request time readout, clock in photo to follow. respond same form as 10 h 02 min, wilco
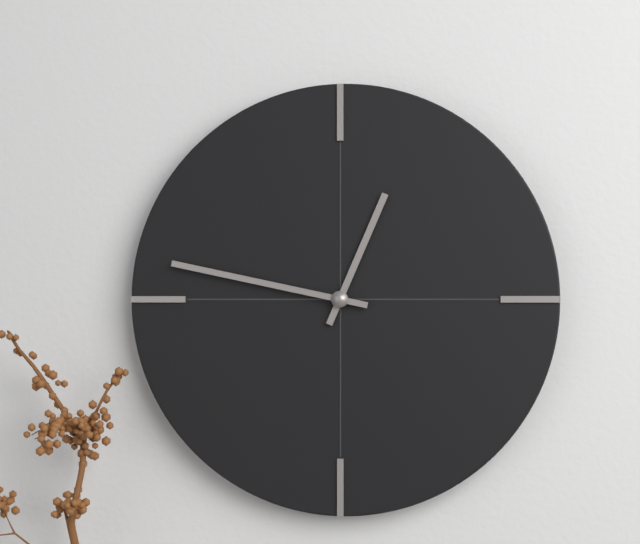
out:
12 h 47 min
